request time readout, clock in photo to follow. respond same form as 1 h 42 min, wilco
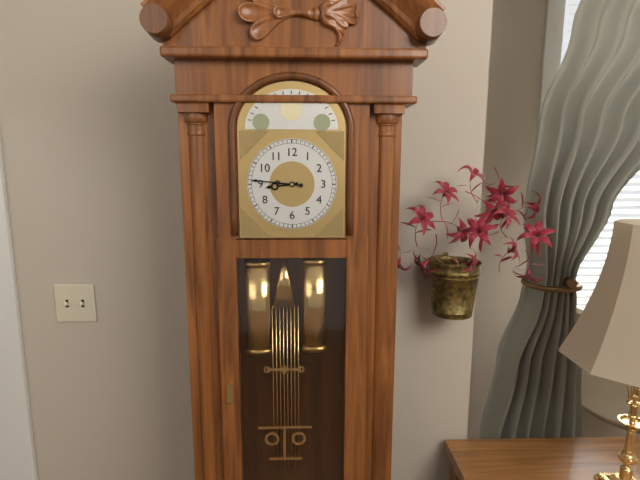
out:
8 h 46 min
